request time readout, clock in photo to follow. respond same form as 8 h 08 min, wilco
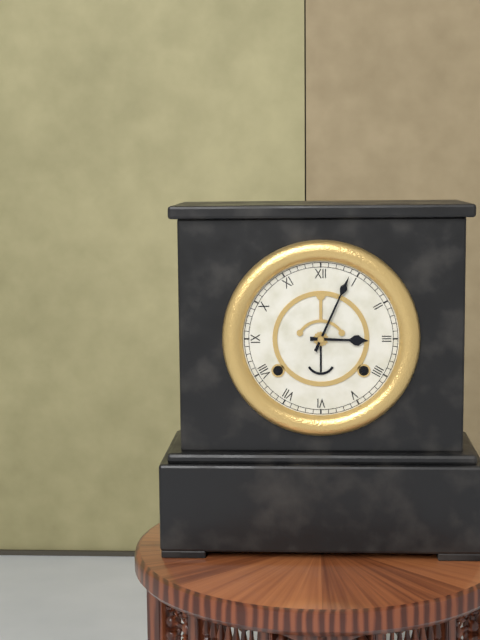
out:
3 h 04 min
